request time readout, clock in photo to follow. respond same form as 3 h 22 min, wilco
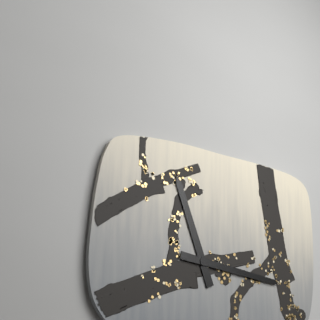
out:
11 h 16 min
